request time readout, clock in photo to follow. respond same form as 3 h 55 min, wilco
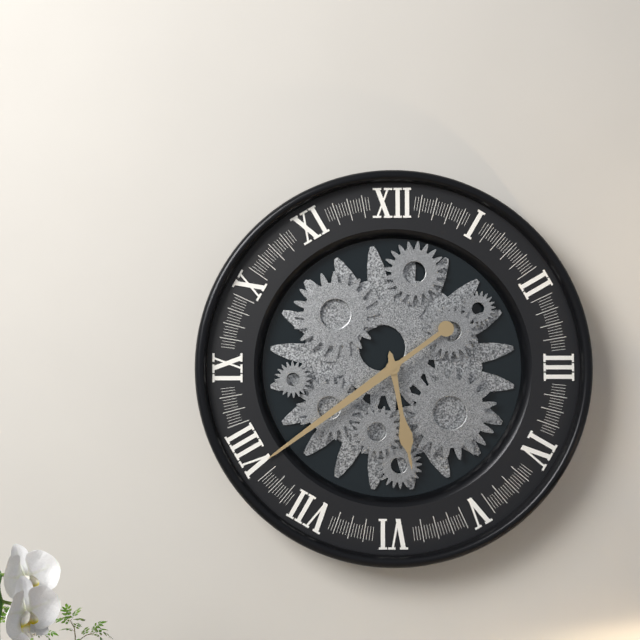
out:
5 h 39 min
